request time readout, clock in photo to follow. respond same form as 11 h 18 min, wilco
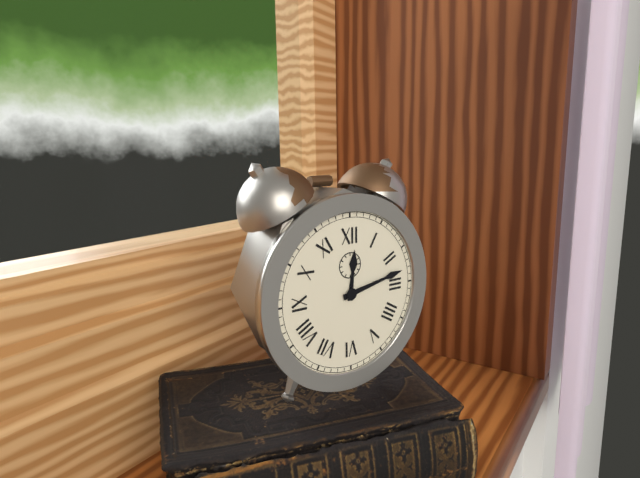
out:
12 h 13 min
